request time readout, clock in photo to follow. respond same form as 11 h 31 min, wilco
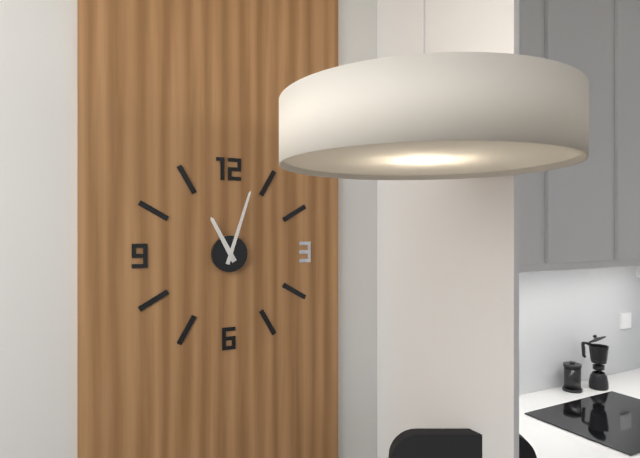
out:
11 h 03 min
